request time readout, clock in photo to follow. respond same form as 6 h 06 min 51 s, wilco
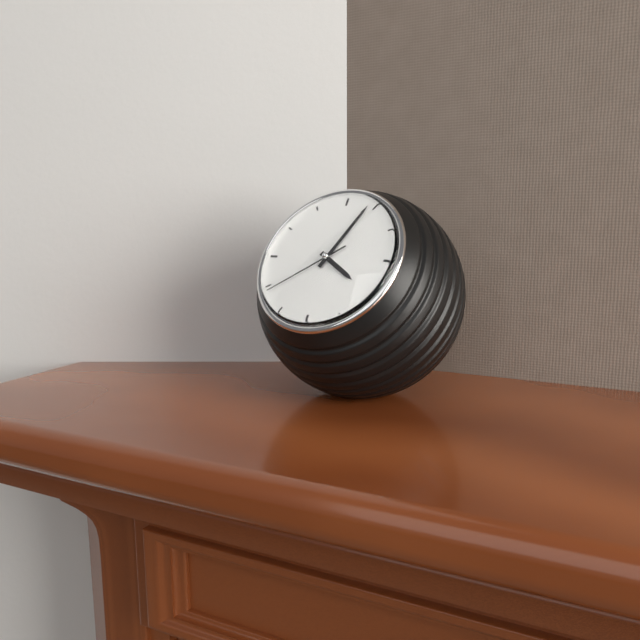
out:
4 h 04 min 39 s
